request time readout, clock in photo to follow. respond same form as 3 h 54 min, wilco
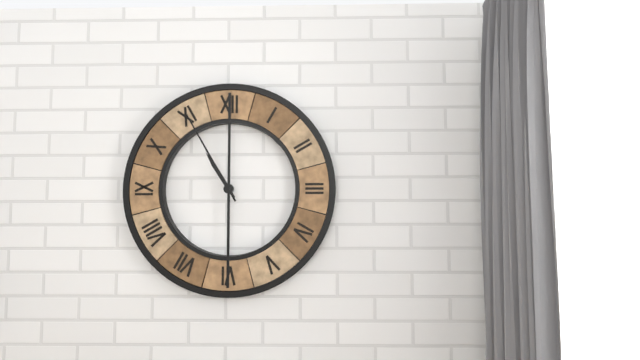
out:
10 h 55 min
